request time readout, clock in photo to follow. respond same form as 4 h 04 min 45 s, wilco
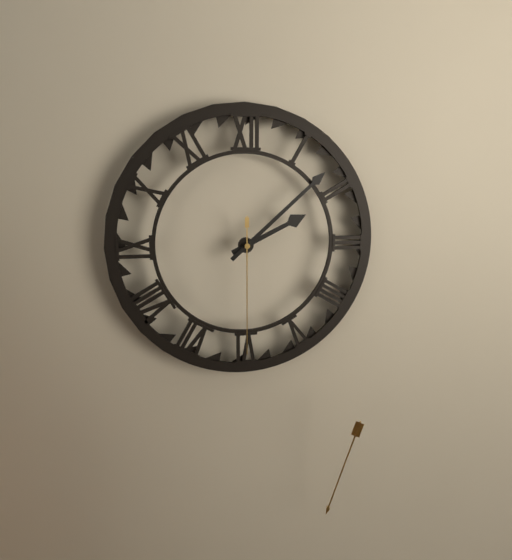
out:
2 h 08 min 30 s
